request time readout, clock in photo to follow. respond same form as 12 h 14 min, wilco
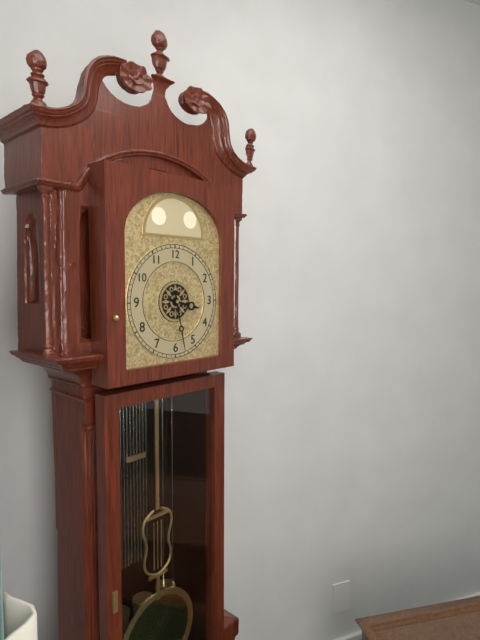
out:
3 h 28 min
